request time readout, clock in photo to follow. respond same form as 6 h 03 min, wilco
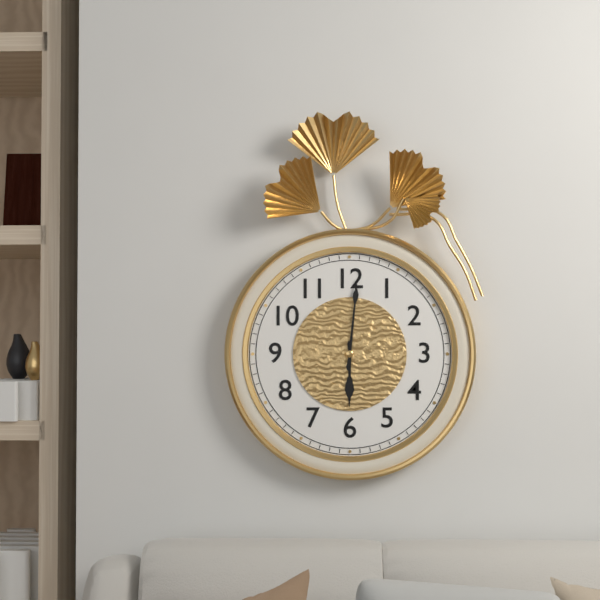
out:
6 h 01 min
